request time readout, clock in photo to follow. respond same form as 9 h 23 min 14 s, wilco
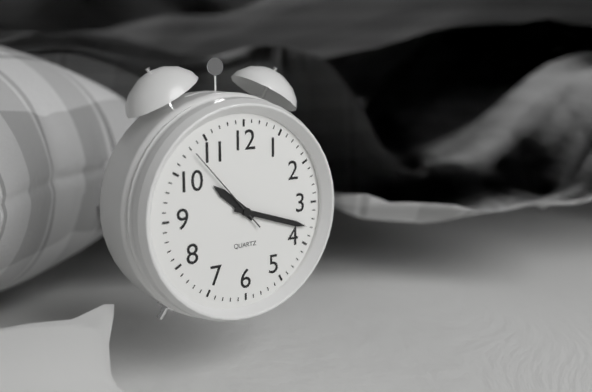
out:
10 h 18 min 53 s
